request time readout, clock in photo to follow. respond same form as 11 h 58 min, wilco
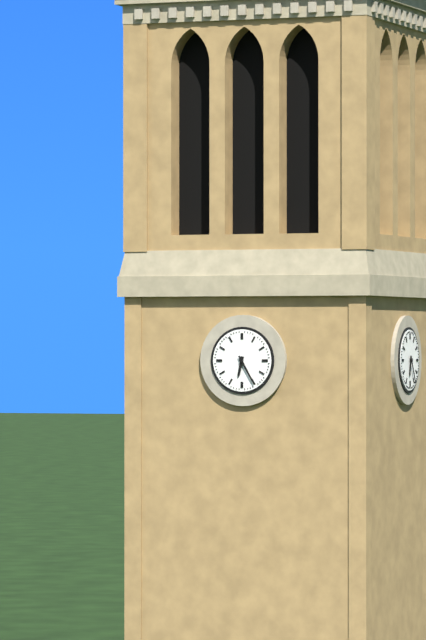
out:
6 h 25 min
